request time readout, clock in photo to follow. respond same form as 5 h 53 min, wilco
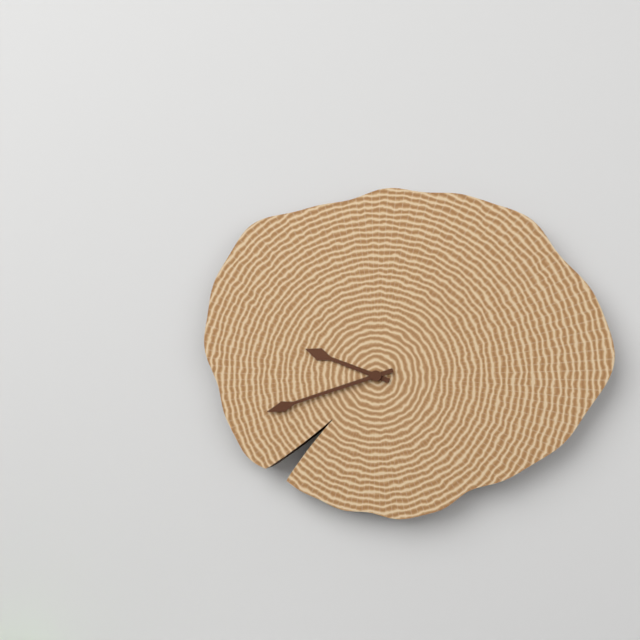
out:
9 h 42 min
